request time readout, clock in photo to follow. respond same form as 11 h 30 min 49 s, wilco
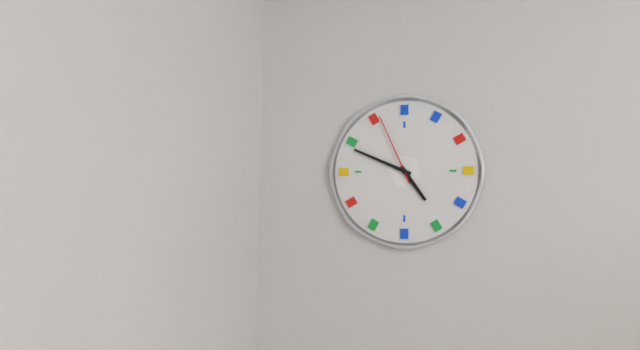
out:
4 h 49 min 56 s
